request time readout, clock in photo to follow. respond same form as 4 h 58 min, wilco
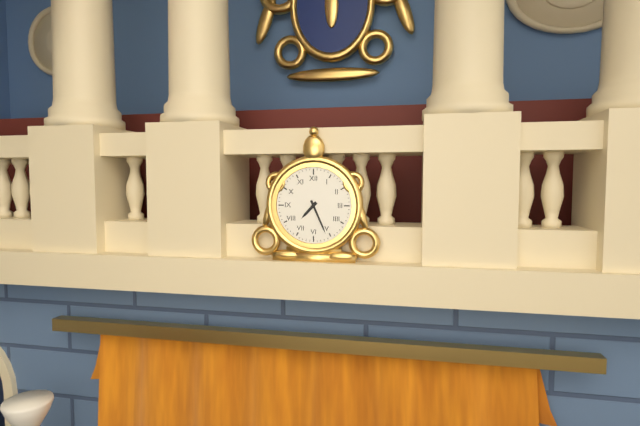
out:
7 h 26 min
